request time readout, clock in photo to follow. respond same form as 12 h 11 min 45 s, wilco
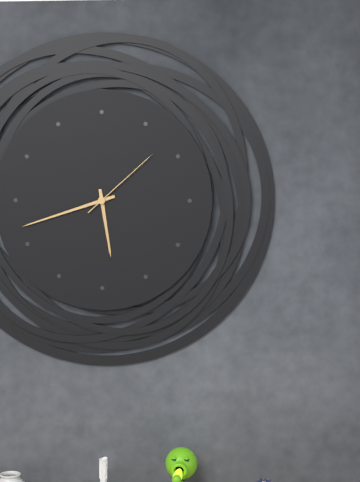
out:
5 h 42 min 08 s
